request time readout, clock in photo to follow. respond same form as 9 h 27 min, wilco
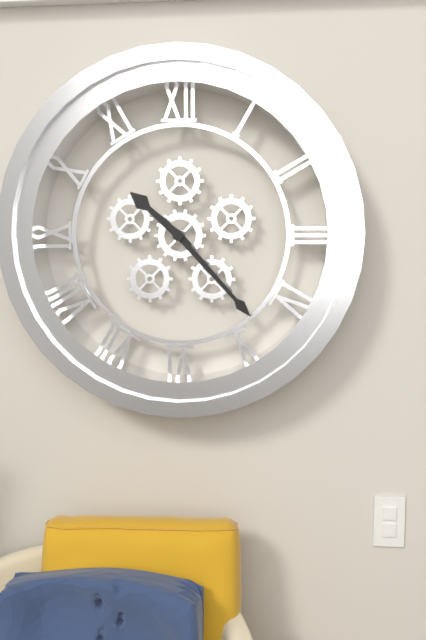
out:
10 h 23 min
